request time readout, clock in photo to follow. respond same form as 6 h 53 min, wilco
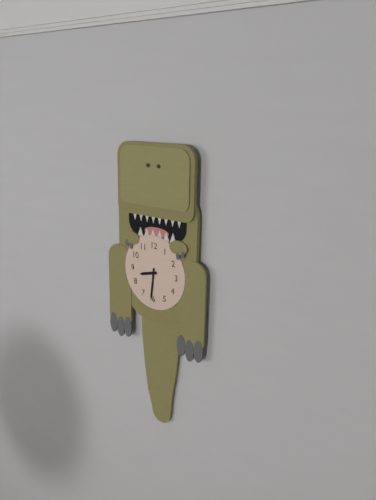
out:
8 h 31 min
